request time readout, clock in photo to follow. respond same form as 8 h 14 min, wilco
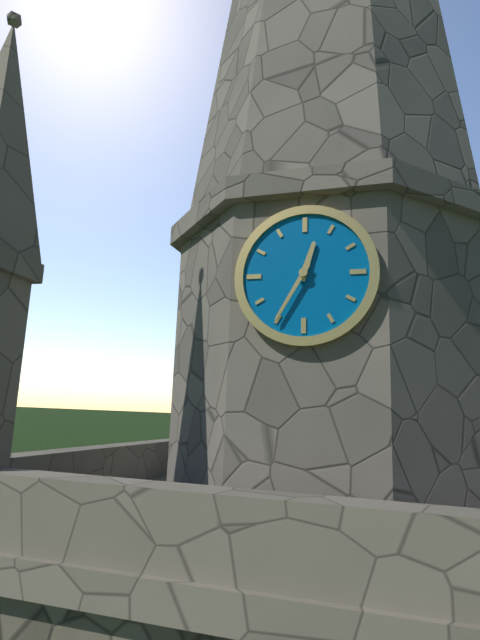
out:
12 h 35 min
